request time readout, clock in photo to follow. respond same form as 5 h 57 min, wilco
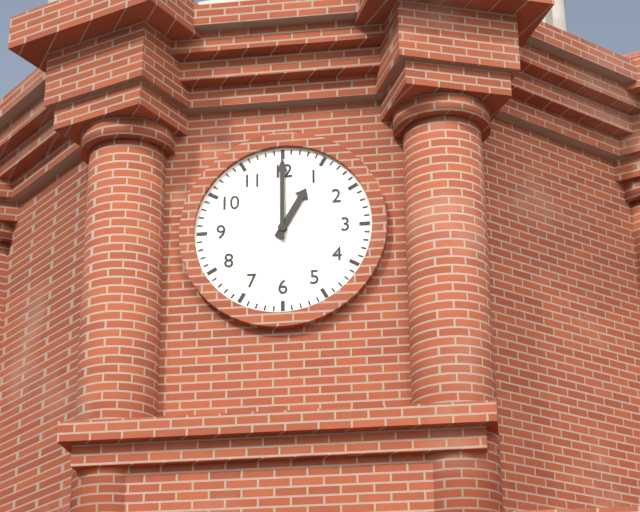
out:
1 h 00 min
